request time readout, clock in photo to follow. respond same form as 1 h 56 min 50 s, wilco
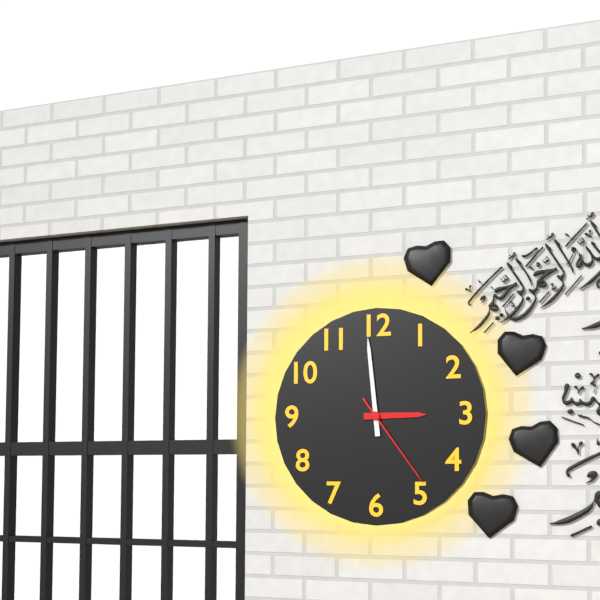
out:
2 h 59 min 24 s
